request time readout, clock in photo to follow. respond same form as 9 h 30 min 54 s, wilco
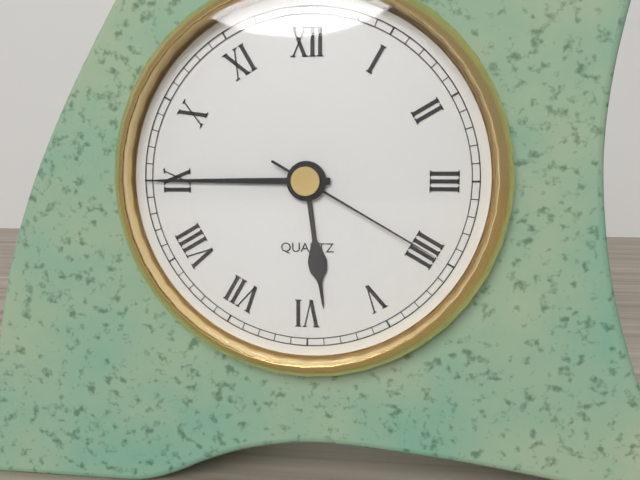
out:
5 h 45 min 20 s
